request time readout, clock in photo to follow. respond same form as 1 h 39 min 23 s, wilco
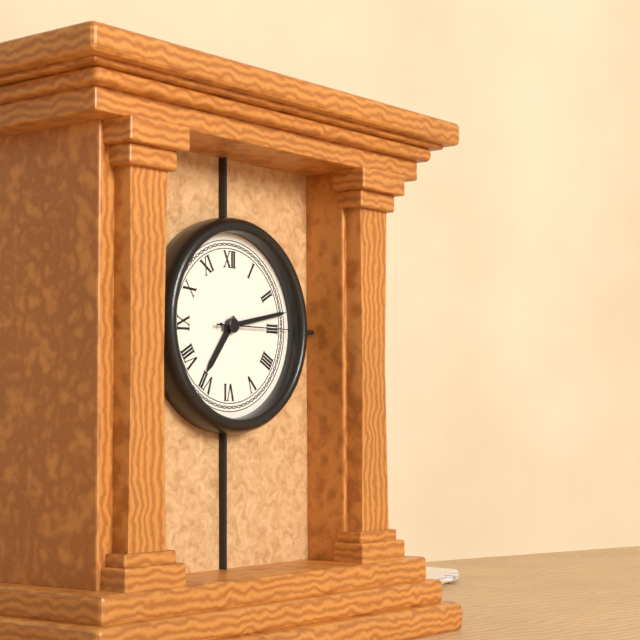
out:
7 h 13 min 15 s
